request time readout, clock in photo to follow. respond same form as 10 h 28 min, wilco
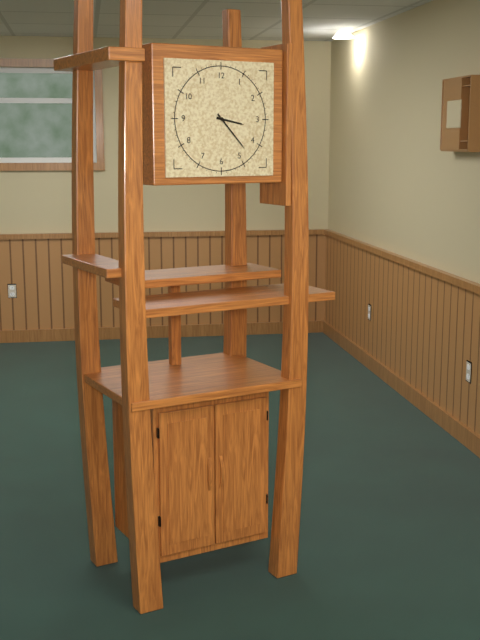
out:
3 h 23 min
